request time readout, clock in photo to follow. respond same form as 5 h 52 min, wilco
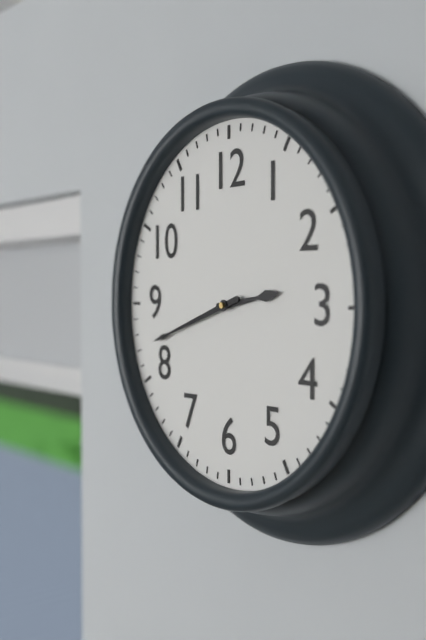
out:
2 h 42 min
